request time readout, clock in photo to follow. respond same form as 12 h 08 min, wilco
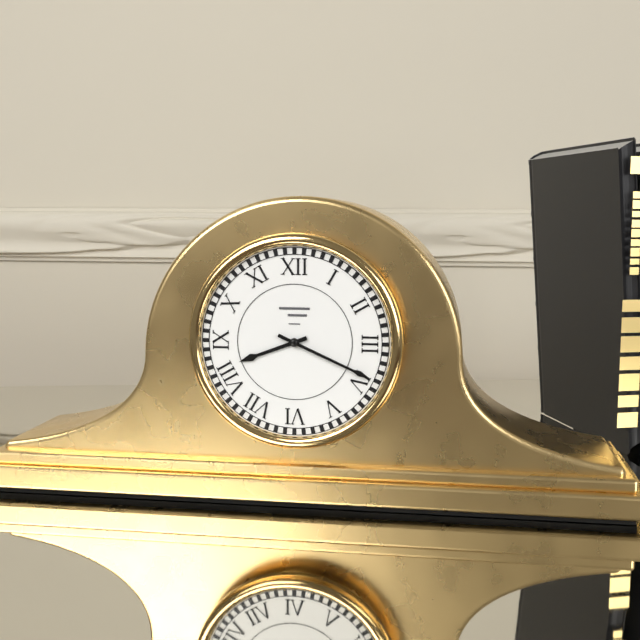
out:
8 h 19 min
